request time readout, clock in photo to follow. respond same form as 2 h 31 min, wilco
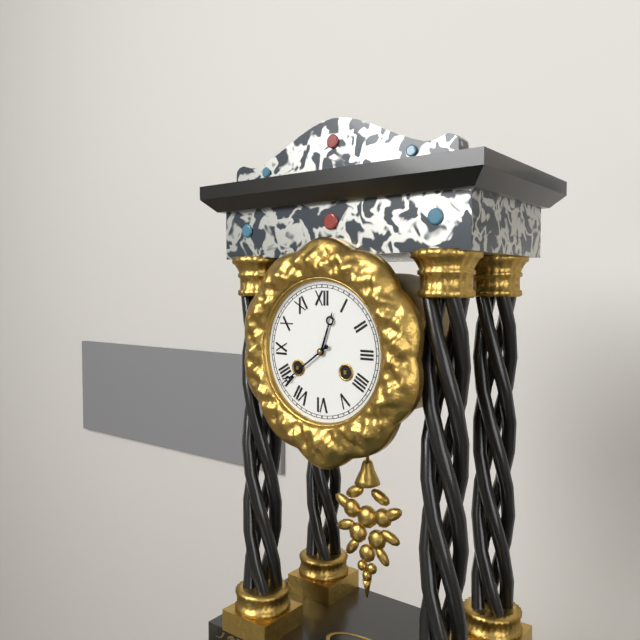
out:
12 h 39 min
